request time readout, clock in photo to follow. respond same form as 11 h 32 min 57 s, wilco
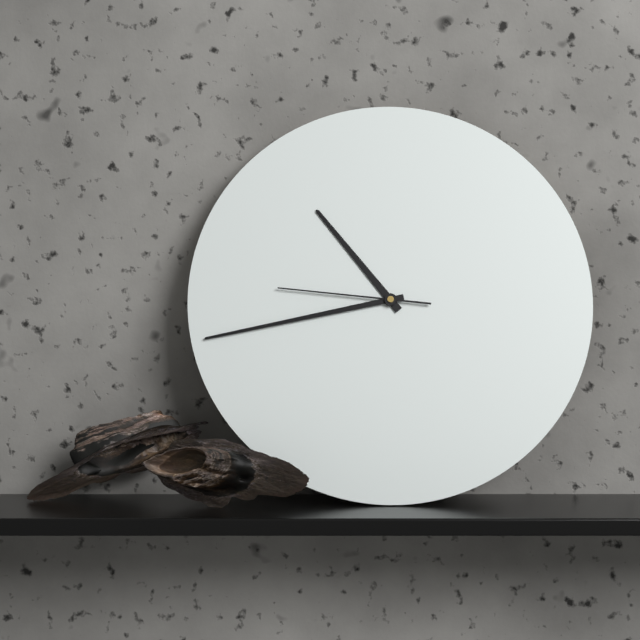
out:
10 h 43 min 46 s
